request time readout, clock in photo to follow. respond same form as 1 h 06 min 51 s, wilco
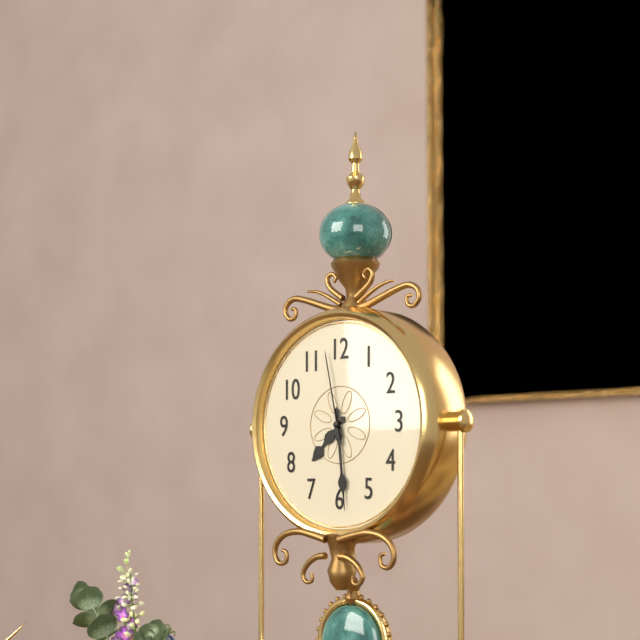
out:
7 h 29 min 58 s
